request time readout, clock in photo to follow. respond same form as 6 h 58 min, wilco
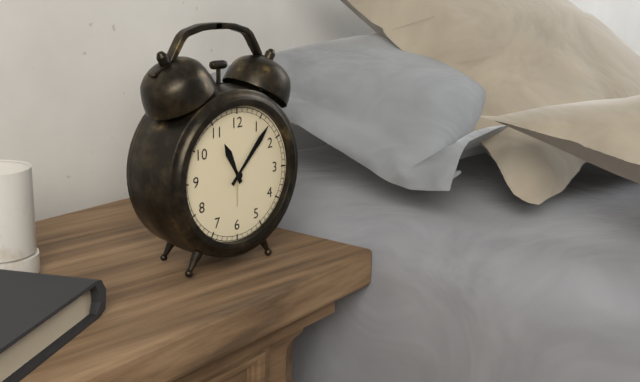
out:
11 h 07 min
